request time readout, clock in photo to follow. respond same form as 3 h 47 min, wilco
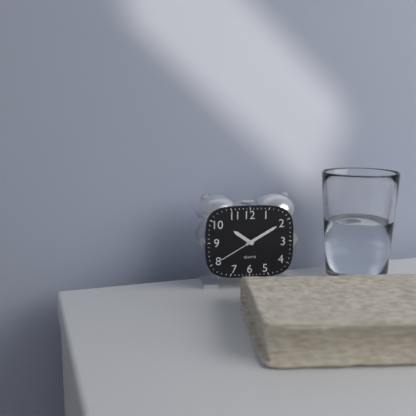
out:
10 h 10 min
